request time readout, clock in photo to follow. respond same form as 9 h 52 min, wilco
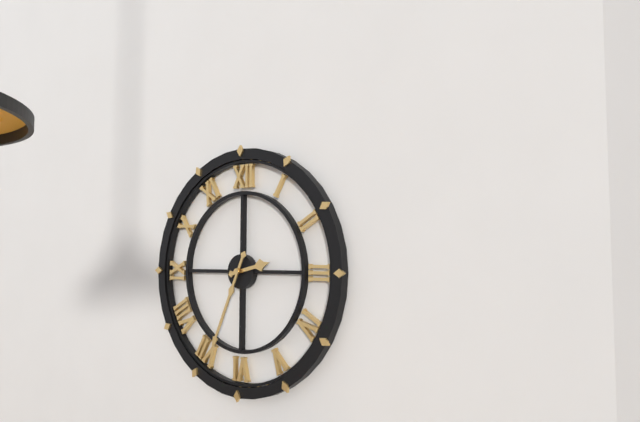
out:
2 h 34 min
